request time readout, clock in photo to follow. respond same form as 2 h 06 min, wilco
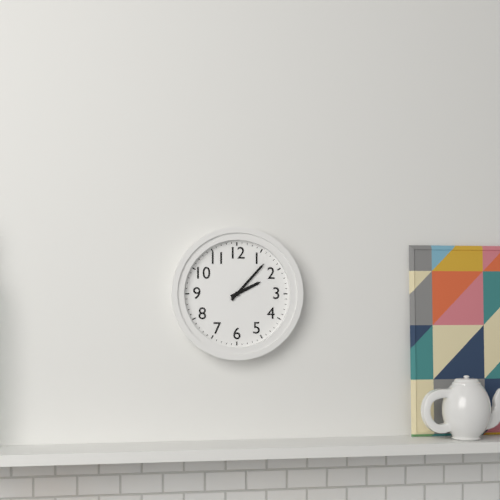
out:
2 h 07 min
